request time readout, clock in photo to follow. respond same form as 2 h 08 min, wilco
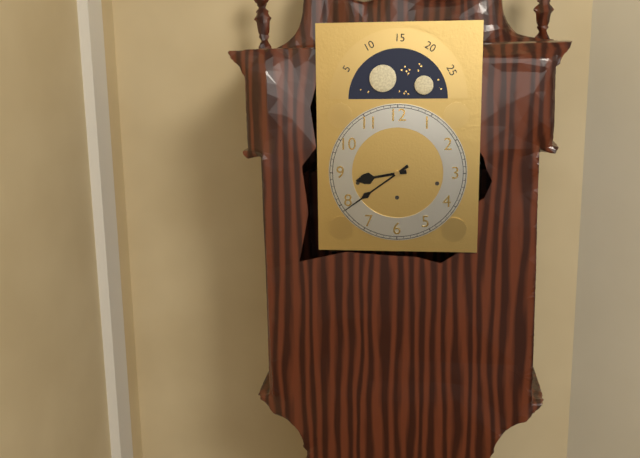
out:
8 h 39 min
